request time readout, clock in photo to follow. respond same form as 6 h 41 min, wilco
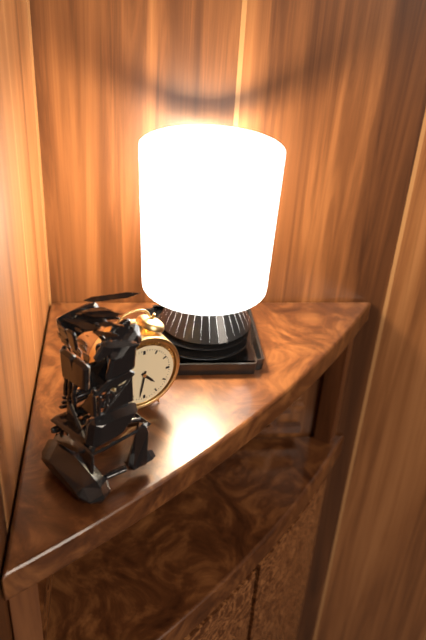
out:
4 h 32 min
